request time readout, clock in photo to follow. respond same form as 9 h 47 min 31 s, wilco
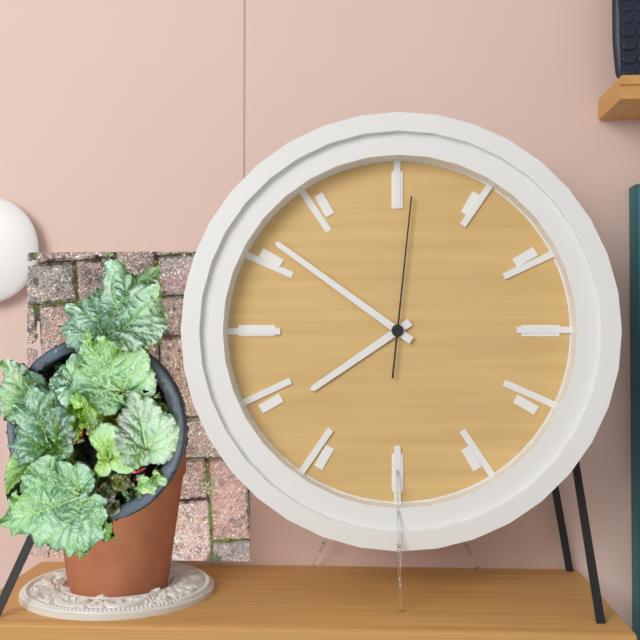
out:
7 h 51 min 01 s
